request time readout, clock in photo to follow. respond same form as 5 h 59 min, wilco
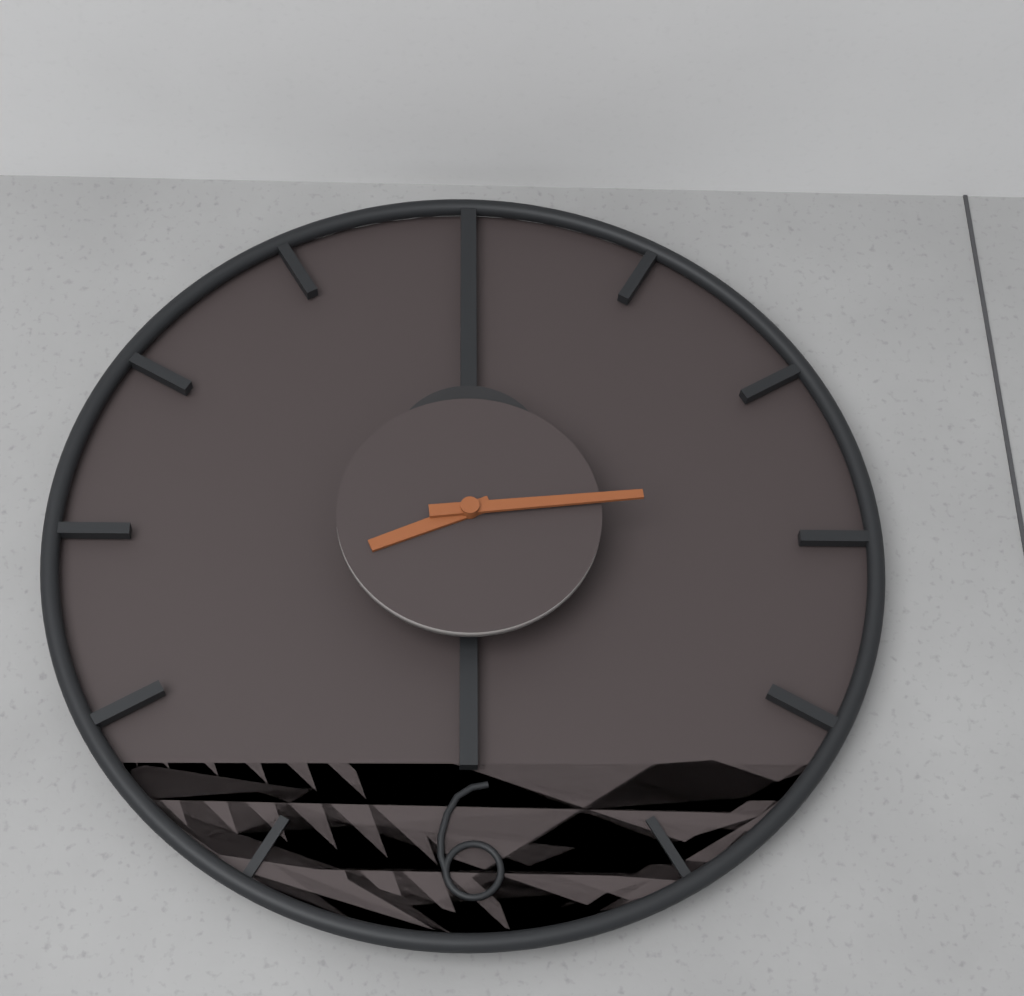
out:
8 h 14 min
